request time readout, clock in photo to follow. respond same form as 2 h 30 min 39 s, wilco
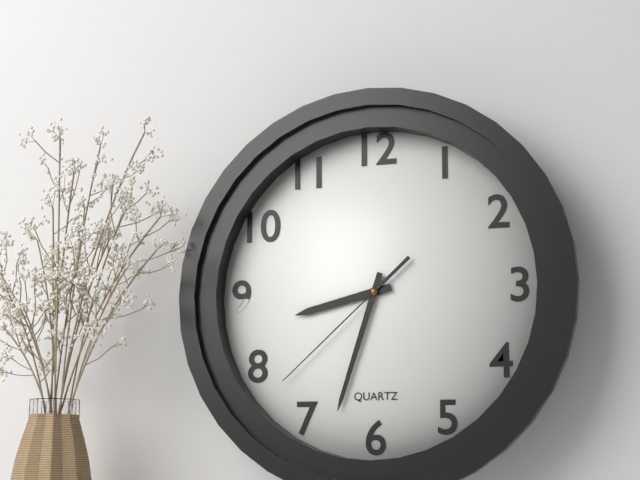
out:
8 h 33 min 38 s
